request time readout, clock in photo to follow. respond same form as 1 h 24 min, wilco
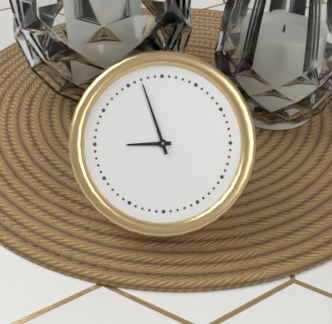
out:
8 h 57 min
